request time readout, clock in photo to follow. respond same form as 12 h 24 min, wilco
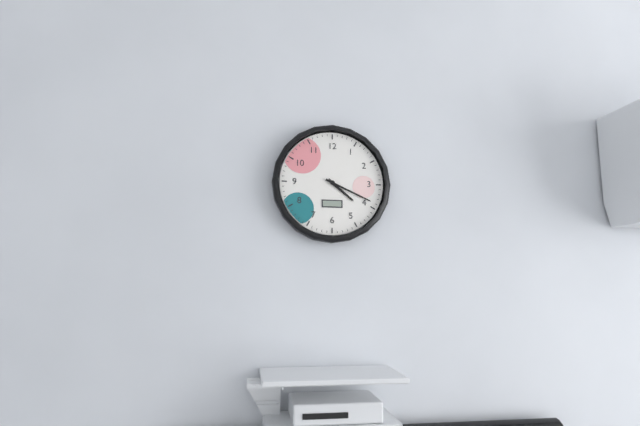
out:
4 h 19 min
